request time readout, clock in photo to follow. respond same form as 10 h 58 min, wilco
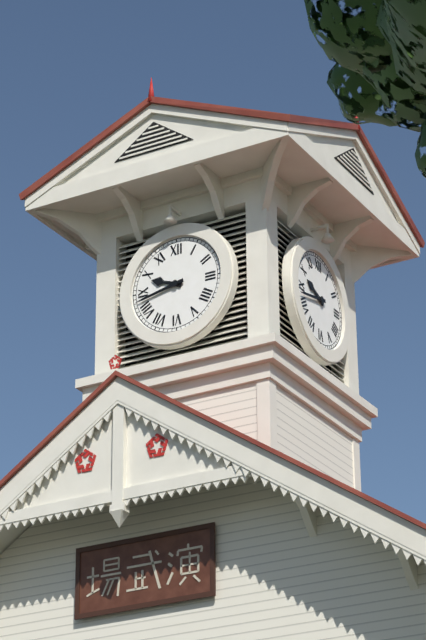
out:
9 h 43 min
